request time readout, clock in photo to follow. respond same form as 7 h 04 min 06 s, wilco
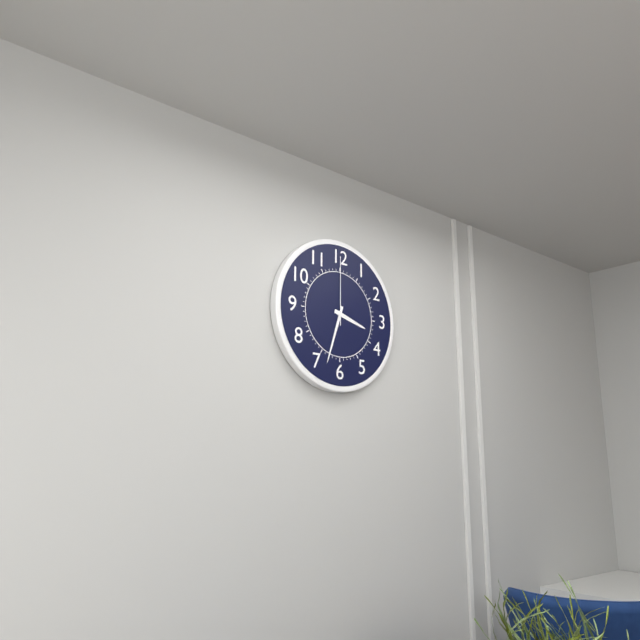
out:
3 h 33 min 00 s
